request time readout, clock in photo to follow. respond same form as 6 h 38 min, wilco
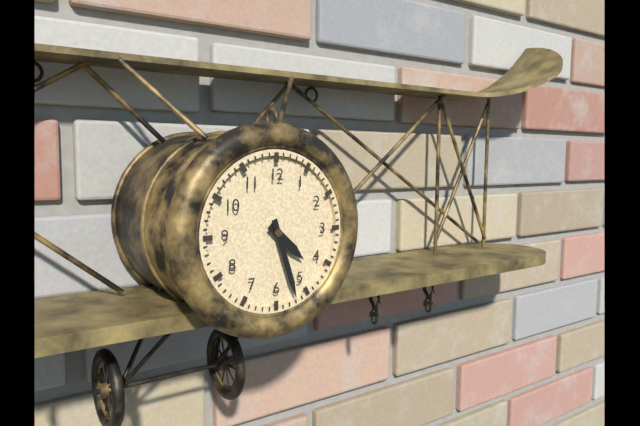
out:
4 h 27 min
